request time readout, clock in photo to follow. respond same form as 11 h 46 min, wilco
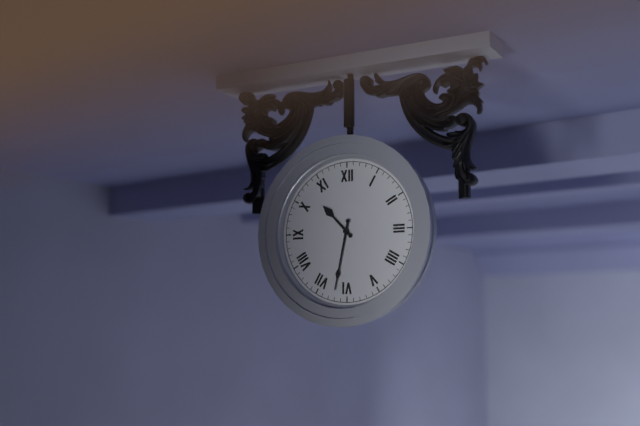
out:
10 h 32 min
